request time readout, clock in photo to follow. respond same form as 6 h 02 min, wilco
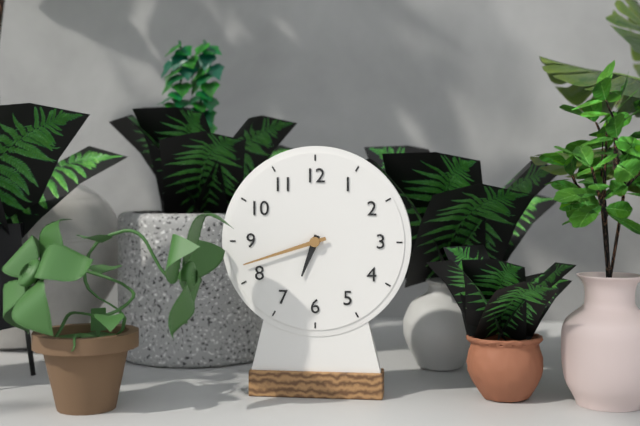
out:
6 h 42 min
